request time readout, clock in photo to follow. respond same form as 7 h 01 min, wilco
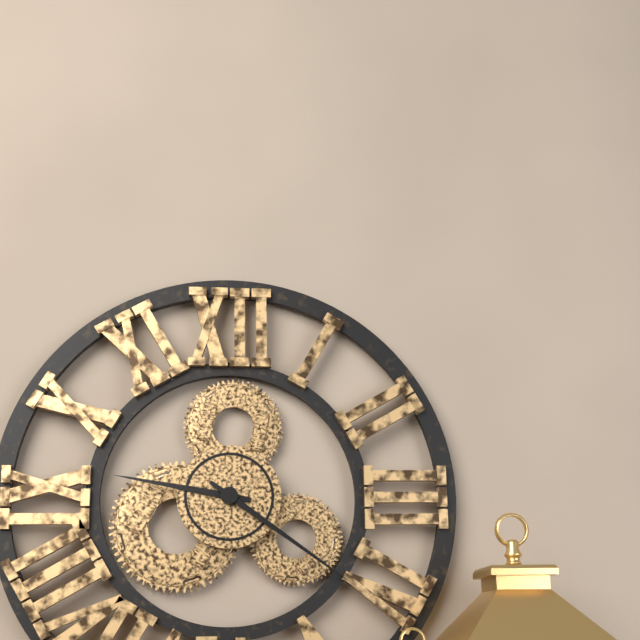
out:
9 h 21 min
